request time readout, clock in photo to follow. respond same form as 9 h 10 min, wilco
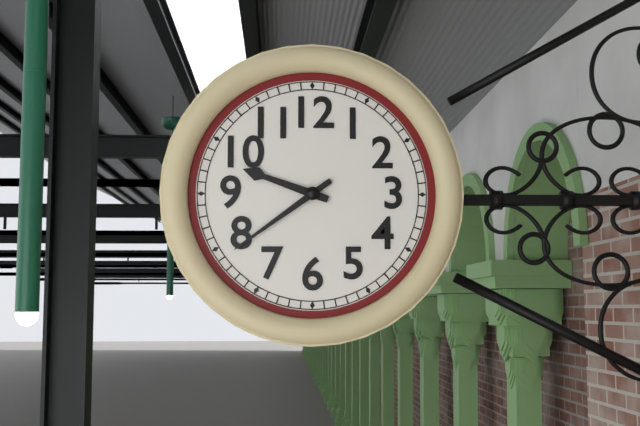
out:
9 h 39 min
